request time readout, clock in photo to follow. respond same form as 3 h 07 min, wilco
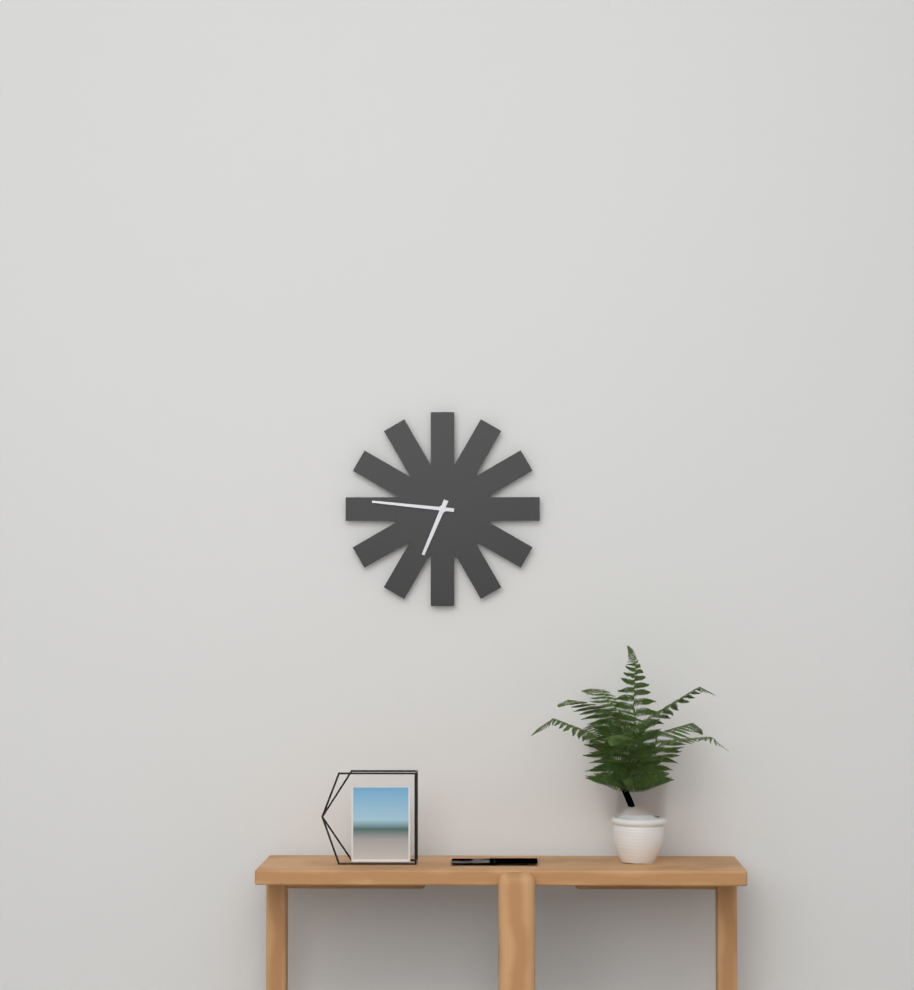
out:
6 h 46 min
